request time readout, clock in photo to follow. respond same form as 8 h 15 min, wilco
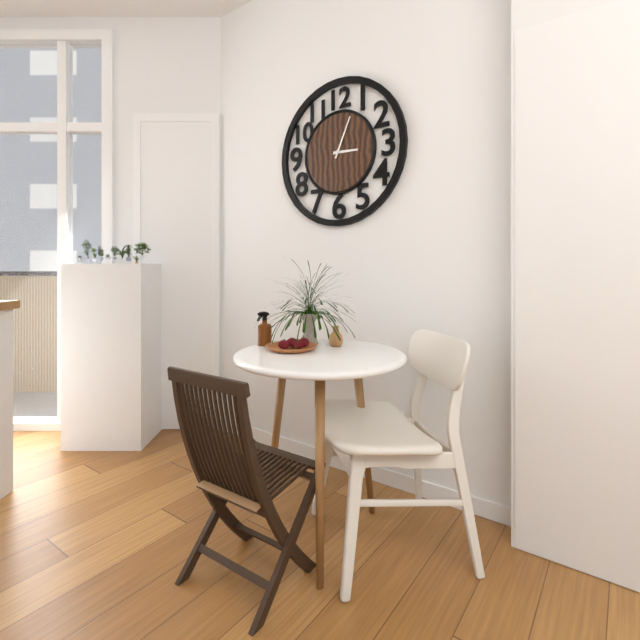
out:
3 h 04 min
